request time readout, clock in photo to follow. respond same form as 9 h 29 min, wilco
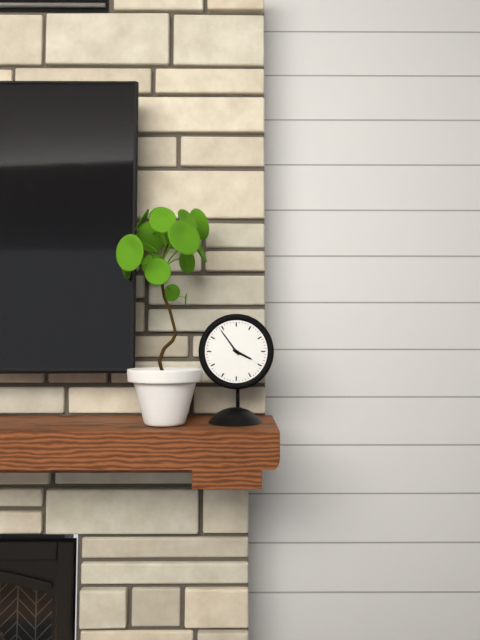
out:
3 h 54 min
